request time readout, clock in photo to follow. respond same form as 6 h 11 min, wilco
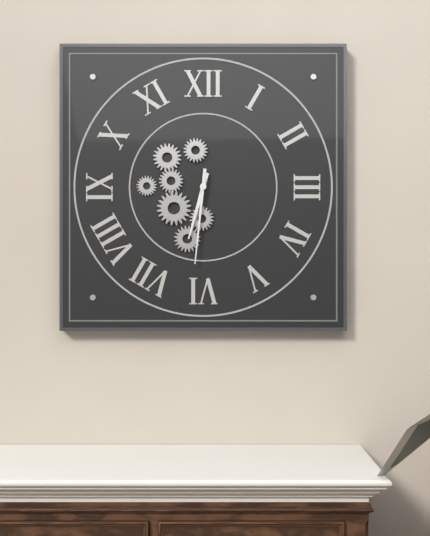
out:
6 h 31 min
